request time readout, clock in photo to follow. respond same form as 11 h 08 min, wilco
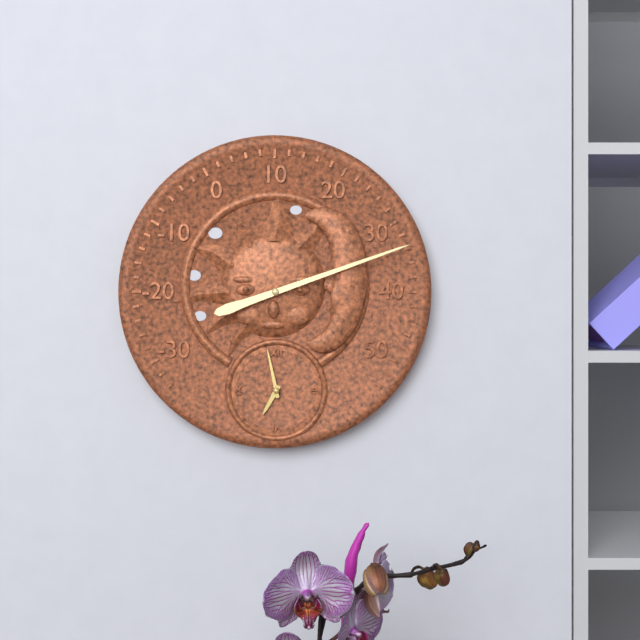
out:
6 h 58 min
